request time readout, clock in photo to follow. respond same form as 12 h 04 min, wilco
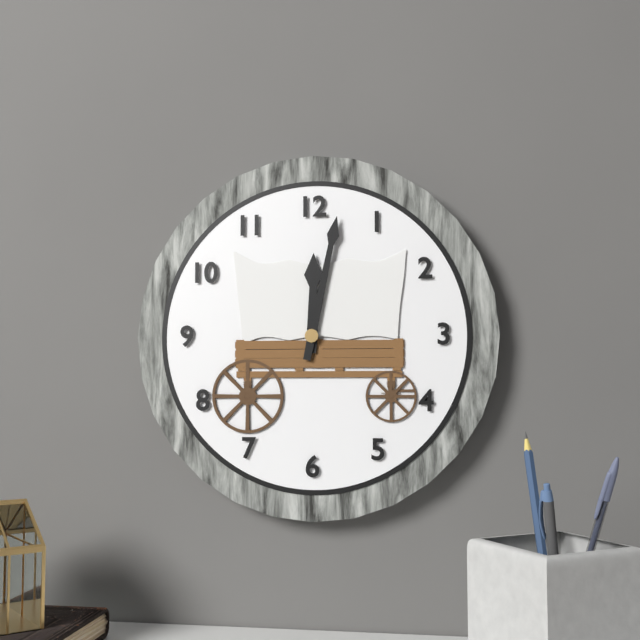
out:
12 h 02 min
